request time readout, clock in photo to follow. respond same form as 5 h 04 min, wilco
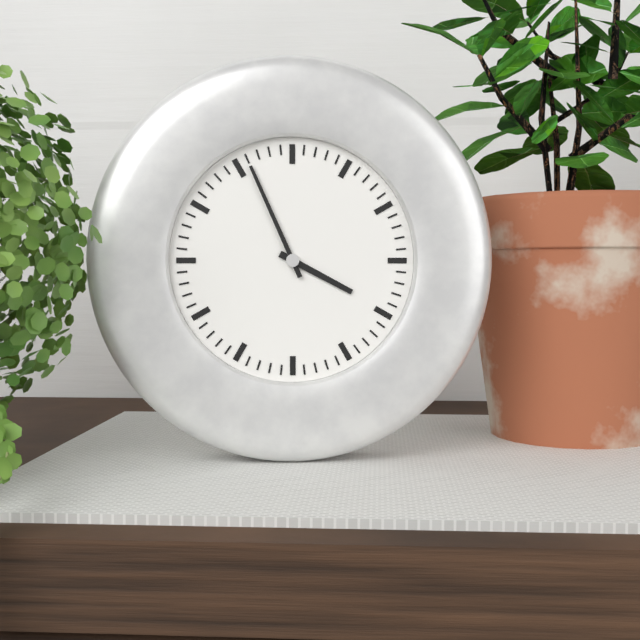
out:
3 h 56 min
